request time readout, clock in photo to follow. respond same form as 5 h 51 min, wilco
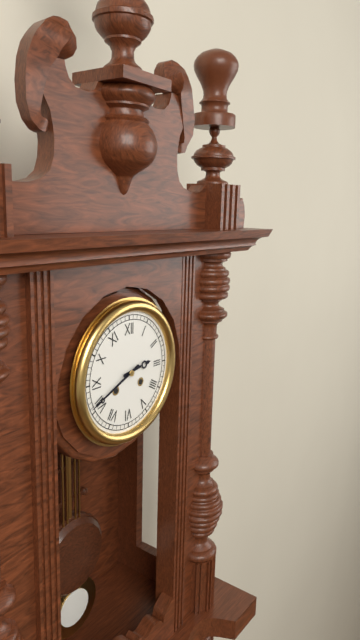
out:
2 h 41 min
